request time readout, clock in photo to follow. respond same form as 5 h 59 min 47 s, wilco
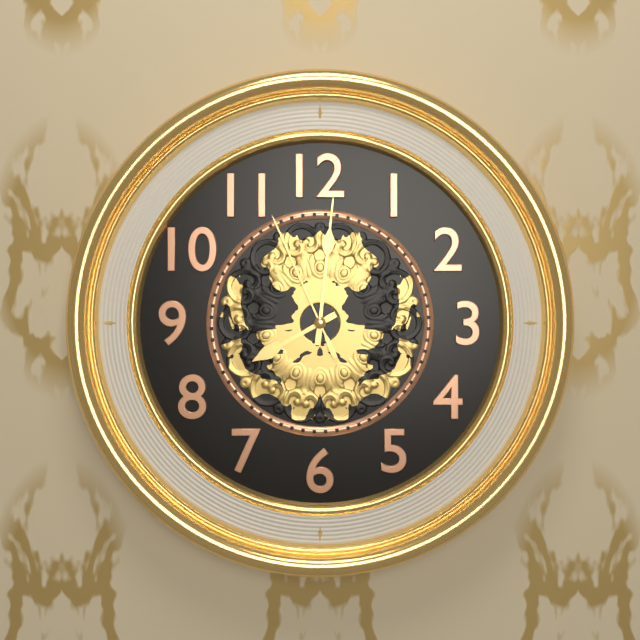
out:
8 h 01 min 56 s
